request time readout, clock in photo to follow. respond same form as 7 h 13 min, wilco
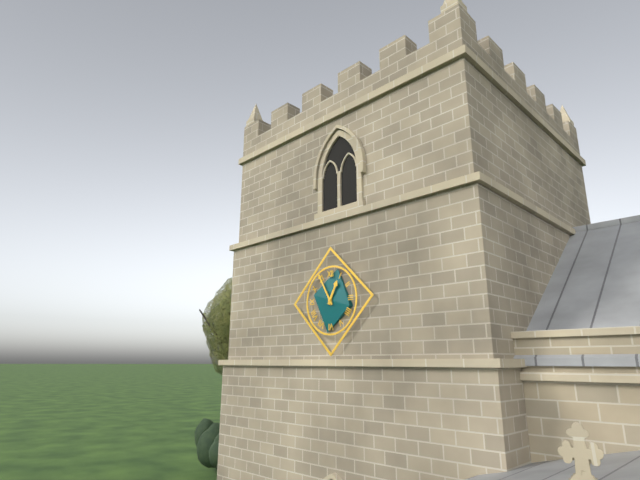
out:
12 h 55 min
